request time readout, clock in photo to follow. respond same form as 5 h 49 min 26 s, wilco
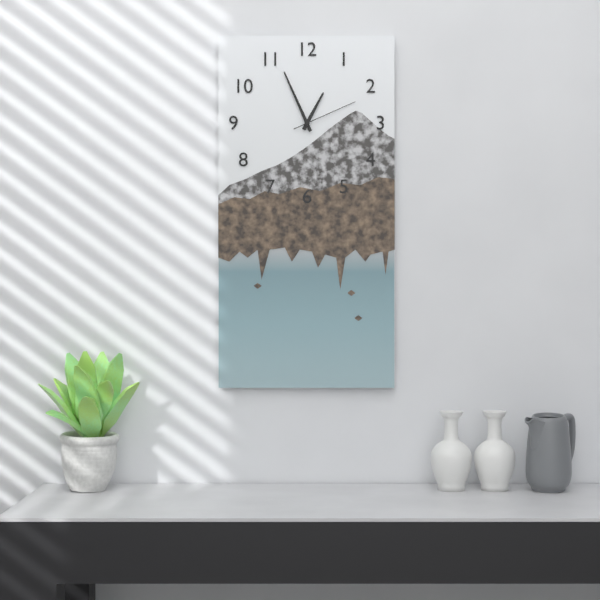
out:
12 h 56 min 11 s
